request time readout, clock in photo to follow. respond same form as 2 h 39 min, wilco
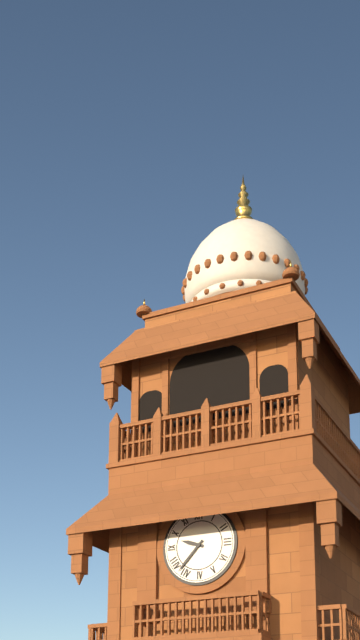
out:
9 h 37 min
